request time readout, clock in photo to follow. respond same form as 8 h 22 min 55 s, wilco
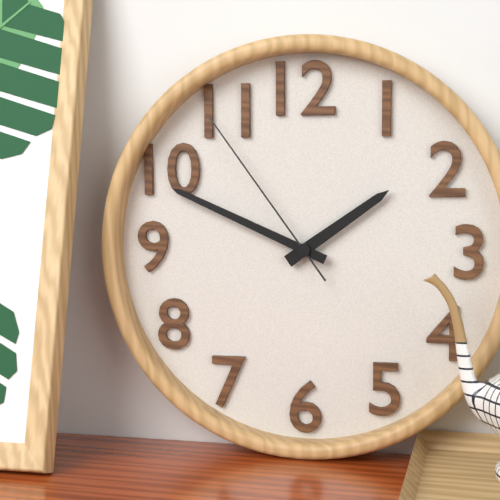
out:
1 h 49 min 54 s
